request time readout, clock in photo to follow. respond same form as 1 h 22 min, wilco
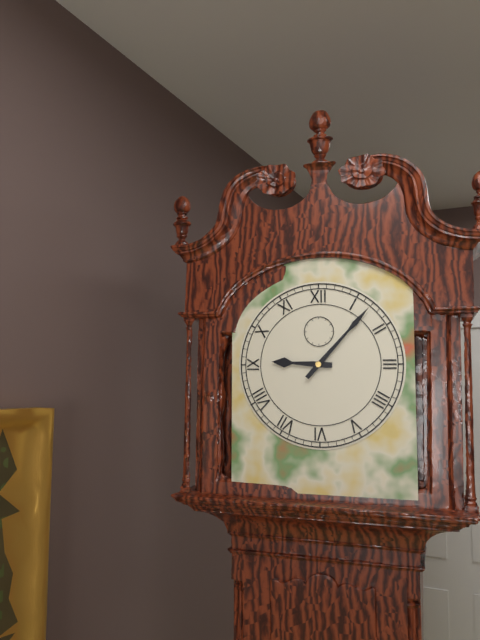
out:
9 h 07 min
